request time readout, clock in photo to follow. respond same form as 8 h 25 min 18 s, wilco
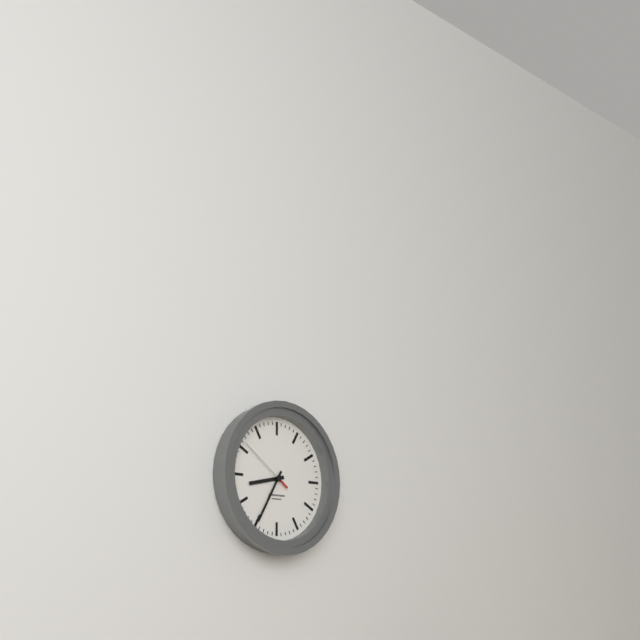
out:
8 h 35 min 51 s
